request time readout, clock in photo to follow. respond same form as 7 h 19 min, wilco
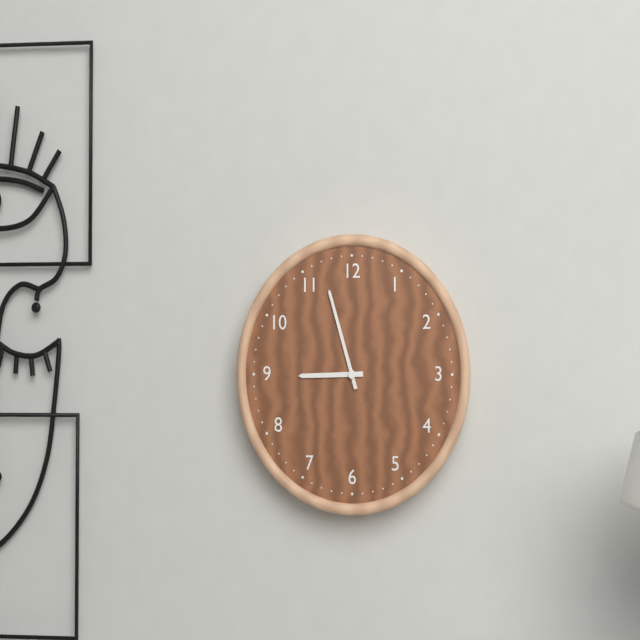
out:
8 h 57 min
